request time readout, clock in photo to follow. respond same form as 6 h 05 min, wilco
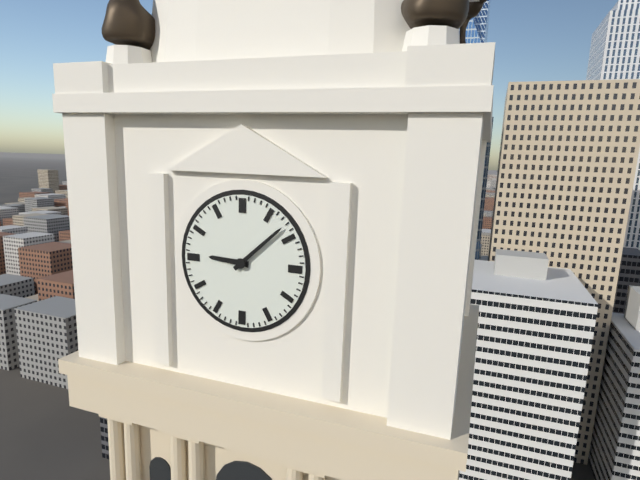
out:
9 h 08 min
